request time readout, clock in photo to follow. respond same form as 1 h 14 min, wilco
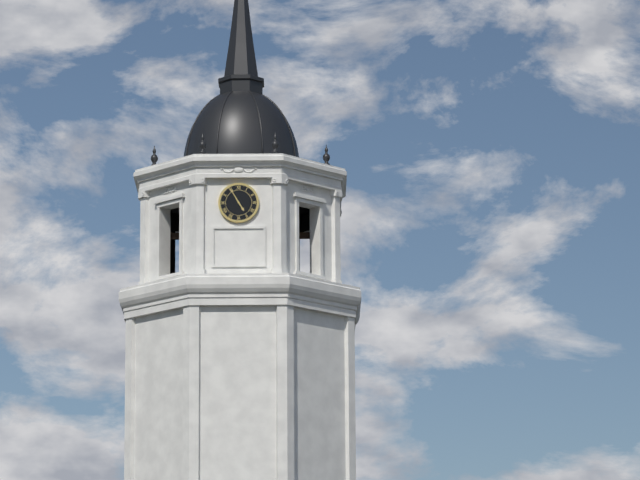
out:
4 h 55 min
